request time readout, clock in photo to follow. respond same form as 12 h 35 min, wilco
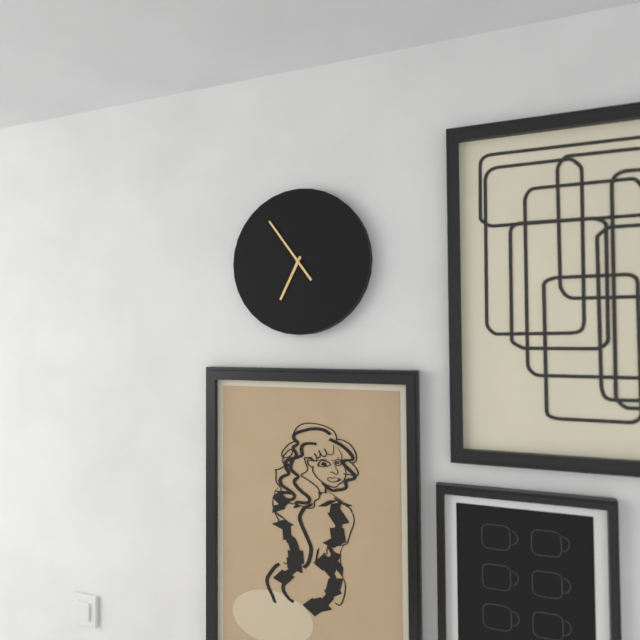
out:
6 h 54 min
